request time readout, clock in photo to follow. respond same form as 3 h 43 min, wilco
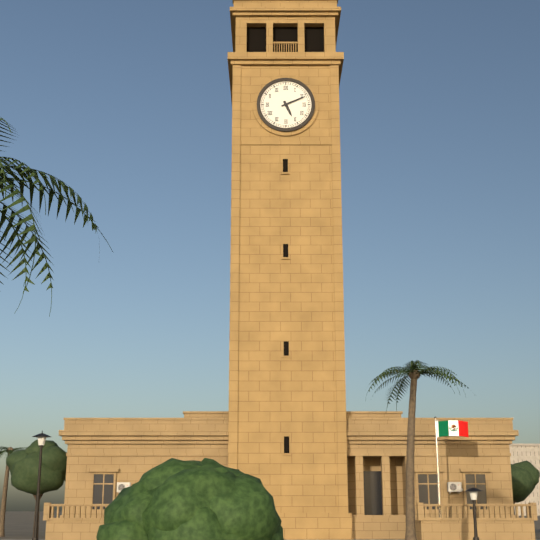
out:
5 h 11 min
